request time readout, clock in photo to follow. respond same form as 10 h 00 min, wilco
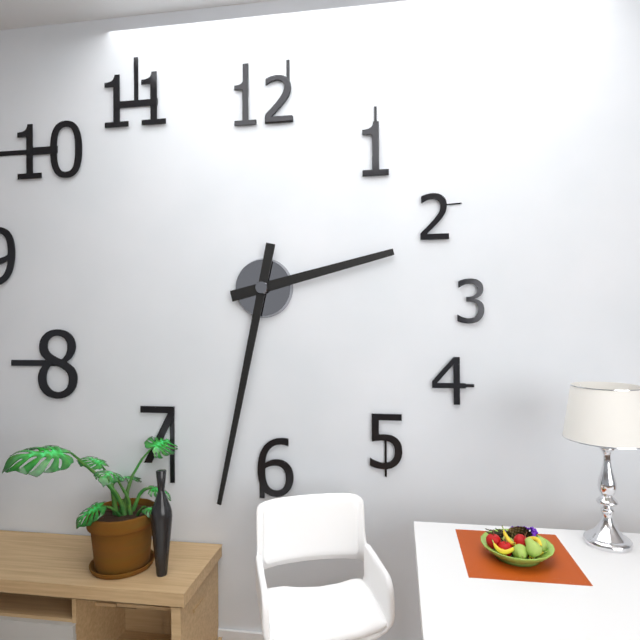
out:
2 h 32 min
